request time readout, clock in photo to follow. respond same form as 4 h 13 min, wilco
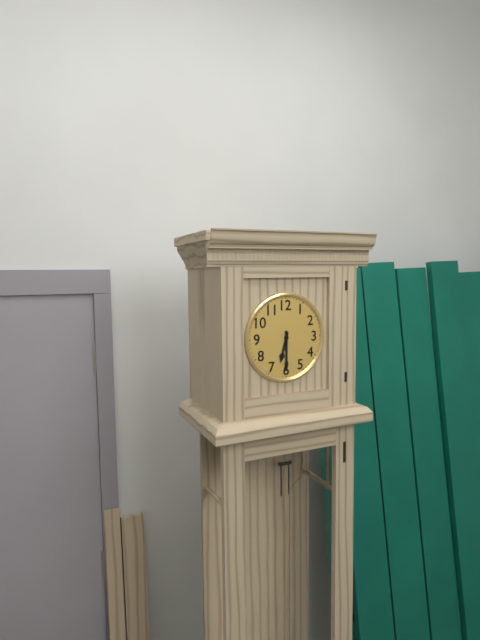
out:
6 h 30 min
